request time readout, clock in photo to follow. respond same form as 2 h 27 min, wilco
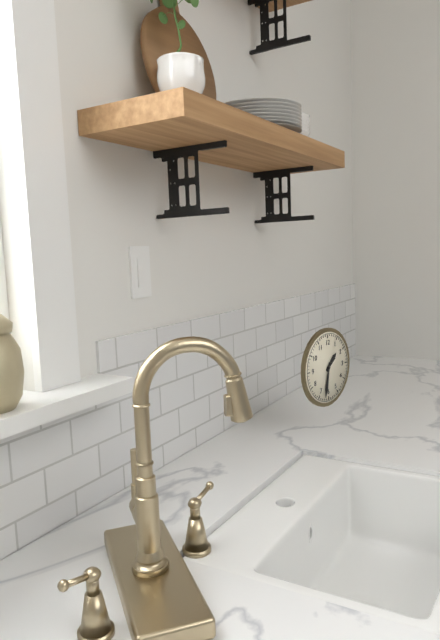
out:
1 h 32 min
